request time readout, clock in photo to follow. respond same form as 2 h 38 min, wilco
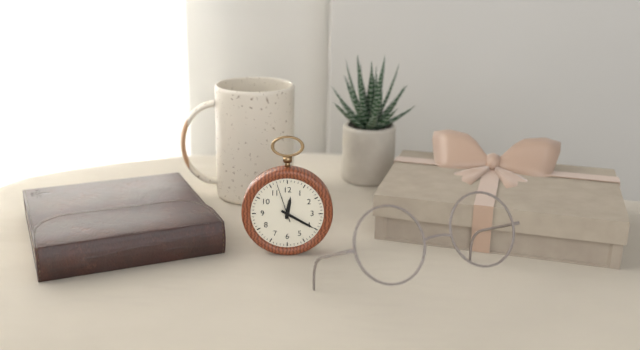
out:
12 h 20 min
